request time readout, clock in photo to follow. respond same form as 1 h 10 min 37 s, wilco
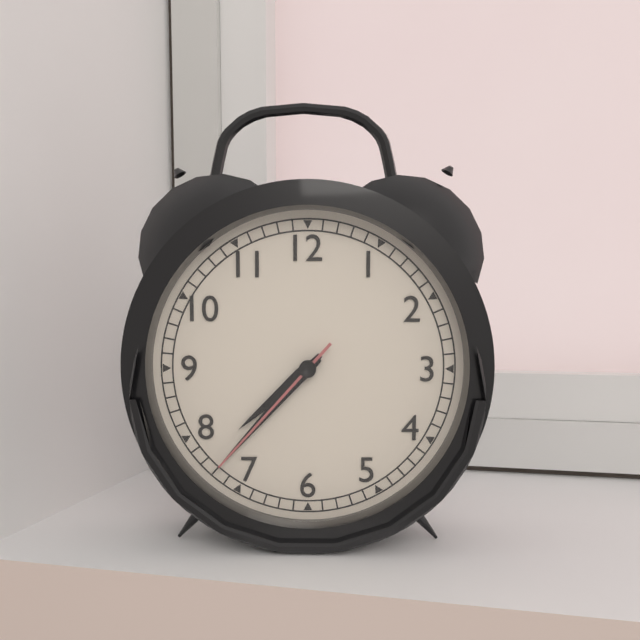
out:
7 h 37 min 37 s
